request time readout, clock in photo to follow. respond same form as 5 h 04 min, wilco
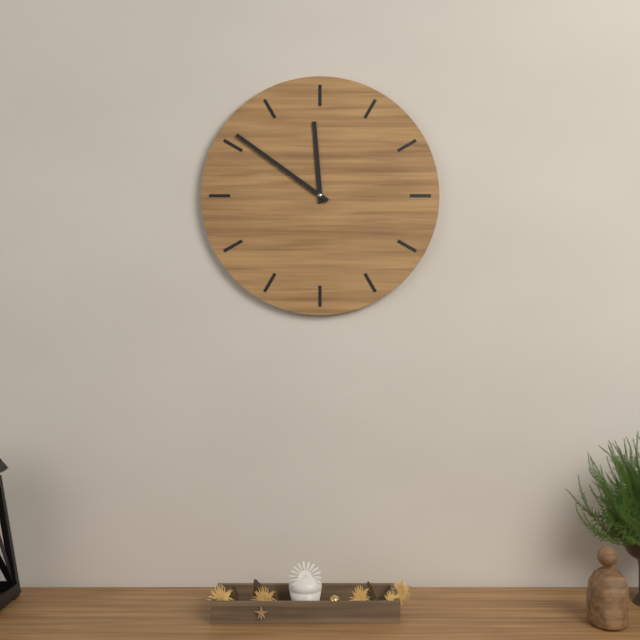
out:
11 h 51 min
